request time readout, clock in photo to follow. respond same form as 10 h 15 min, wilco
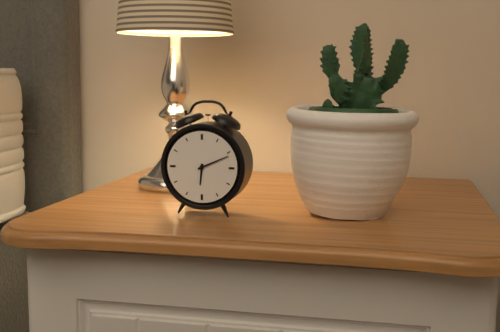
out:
6 h 11 min
